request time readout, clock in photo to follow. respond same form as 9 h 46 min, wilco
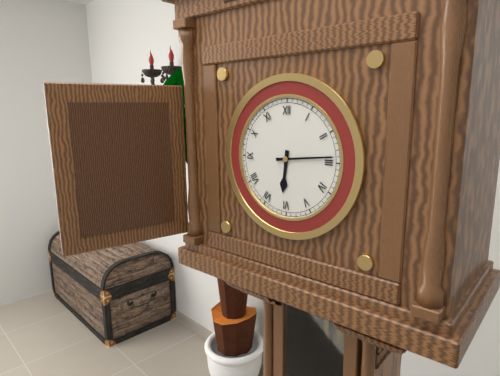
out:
6 h 14 min
